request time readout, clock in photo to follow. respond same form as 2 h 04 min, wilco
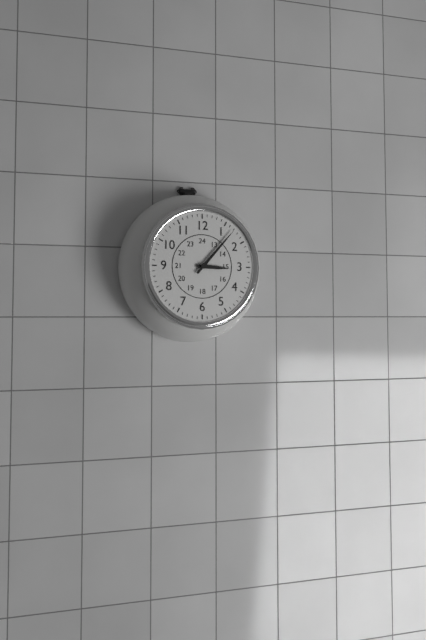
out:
3 h 07 min
